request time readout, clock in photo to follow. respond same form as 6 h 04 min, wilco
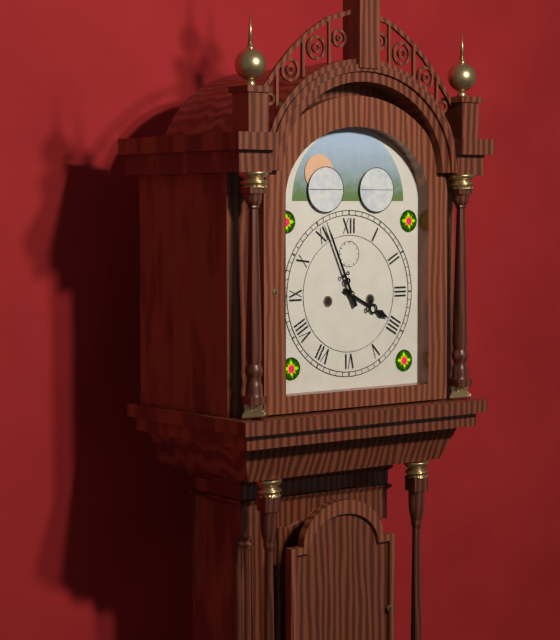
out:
3 h 56 min
